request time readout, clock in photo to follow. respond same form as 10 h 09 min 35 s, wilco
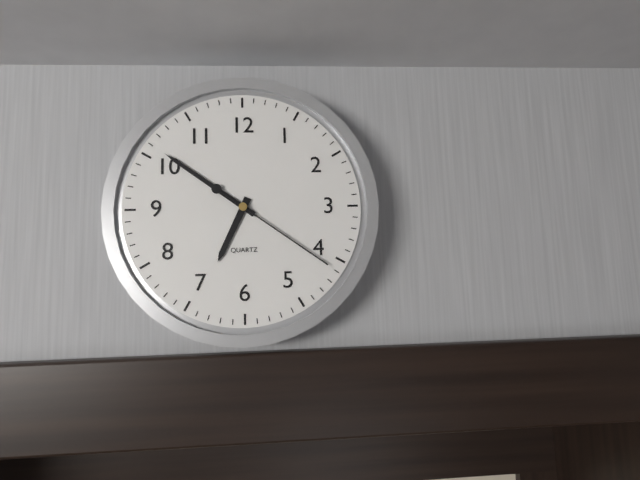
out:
6 h 51 min 21 s
